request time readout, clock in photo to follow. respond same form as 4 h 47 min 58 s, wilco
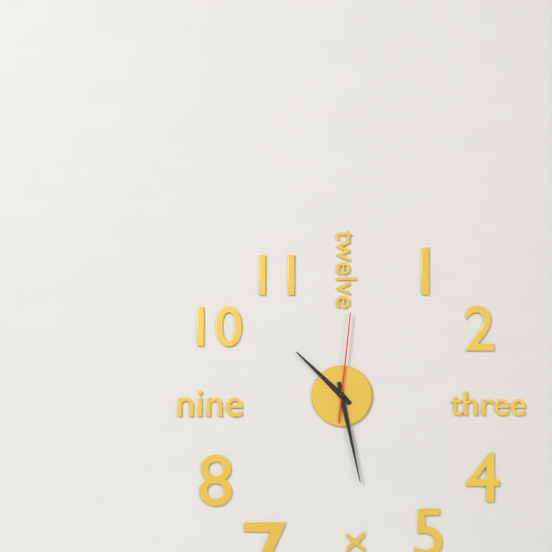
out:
10 h 28 min 01 s
